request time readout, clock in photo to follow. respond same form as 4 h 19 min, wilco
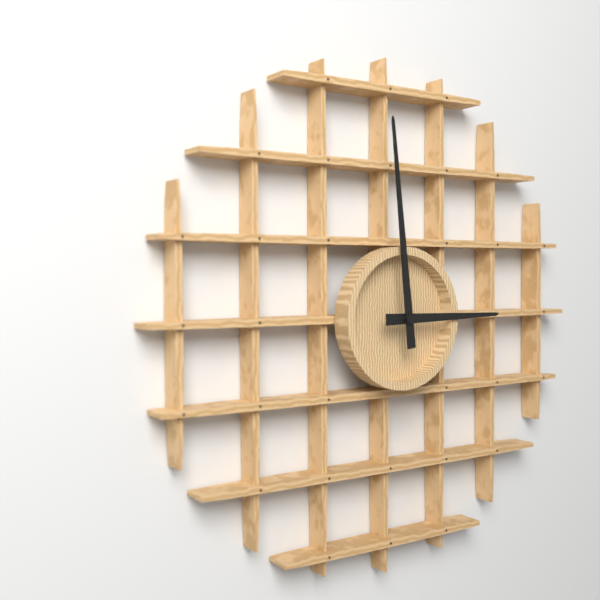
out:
2 h 59 min
